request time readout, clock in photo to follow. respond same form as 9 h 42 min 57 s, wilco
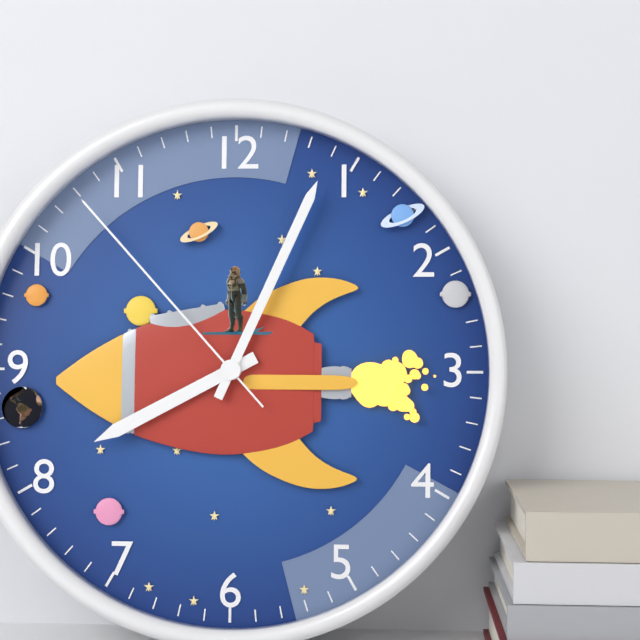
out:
8 h 04 min 53 s
